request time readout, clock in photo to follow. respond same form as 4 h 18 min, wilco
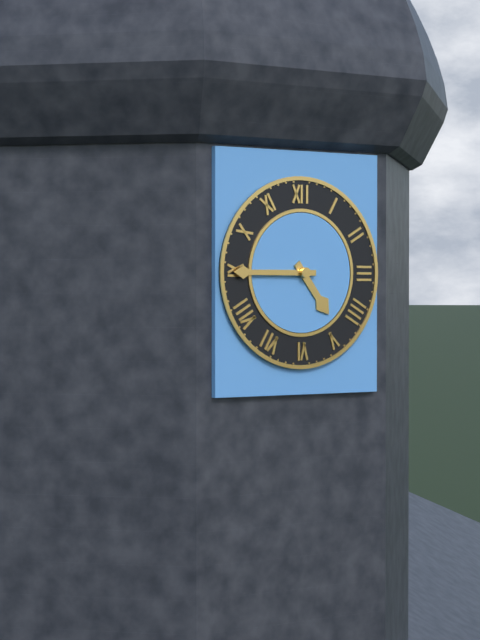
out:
4 h 45 min
